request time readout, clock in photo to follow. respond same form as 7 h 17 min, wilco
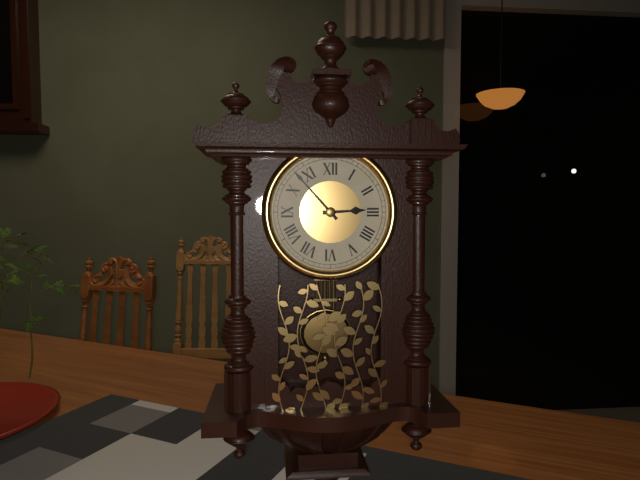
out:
2 h 53 min
